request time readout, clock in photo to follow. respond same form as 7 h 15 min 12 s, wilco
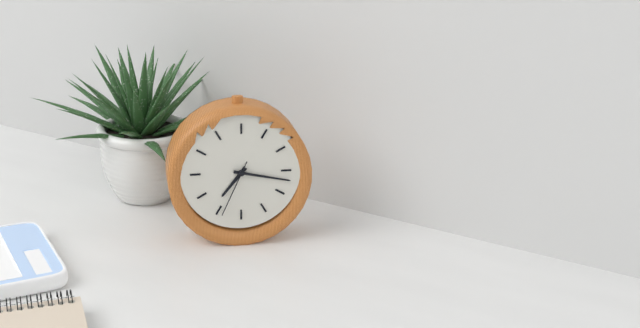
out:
7 h 17 min 34 s
